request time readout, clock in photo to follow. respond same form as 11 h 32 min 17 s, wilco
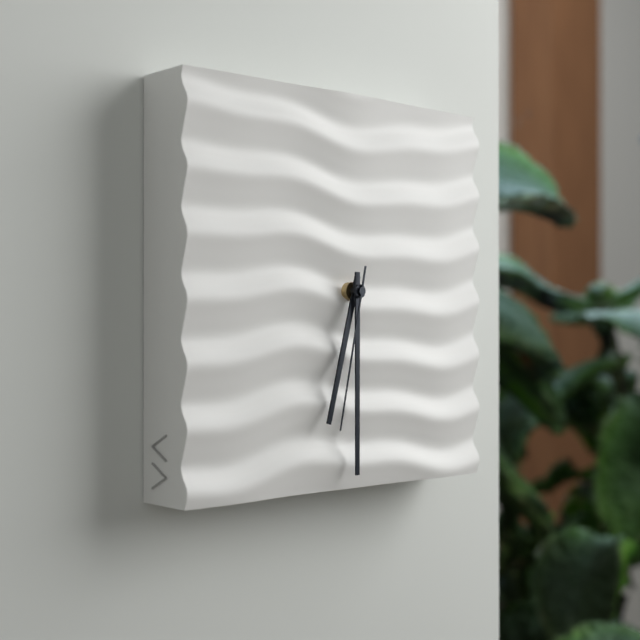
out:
6 h 30 min 32 s
